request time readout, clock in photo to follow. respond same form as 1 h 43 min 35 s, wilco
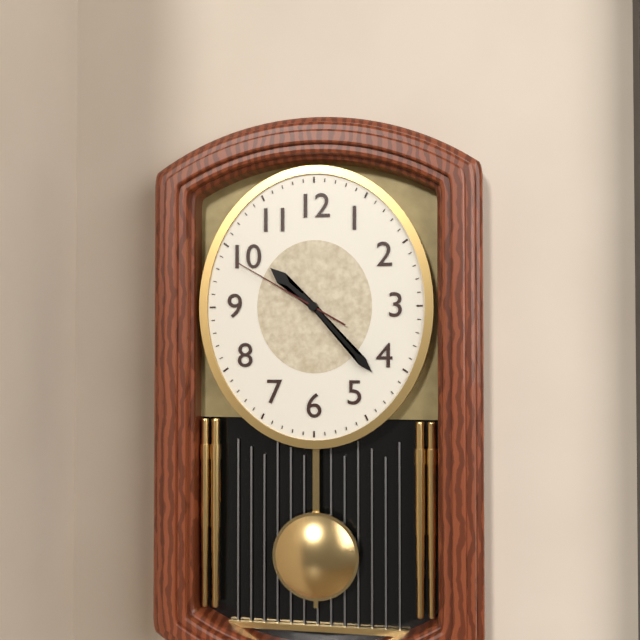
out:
10 h 23 min 50 s
